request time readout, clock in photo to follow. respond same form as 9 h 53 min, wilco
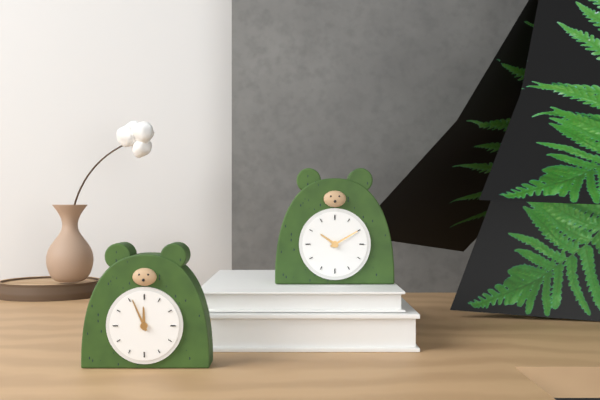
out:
11 h 56 min
